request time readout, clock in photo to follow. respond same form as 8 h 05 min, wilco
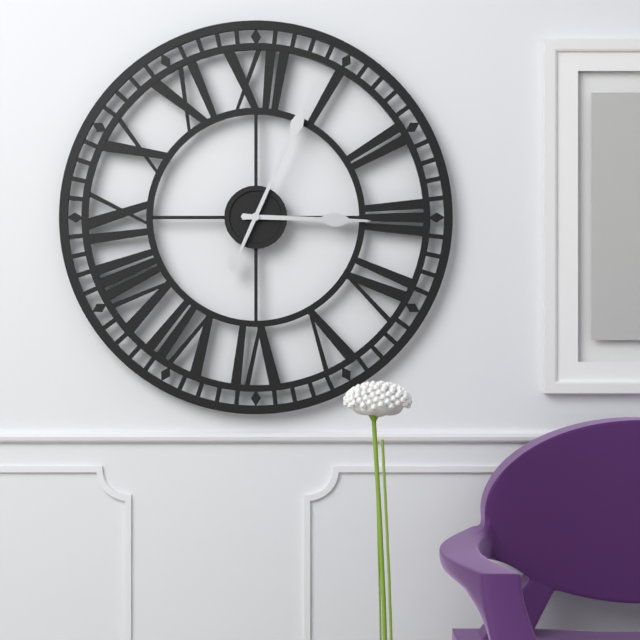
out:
3 h 04 min
